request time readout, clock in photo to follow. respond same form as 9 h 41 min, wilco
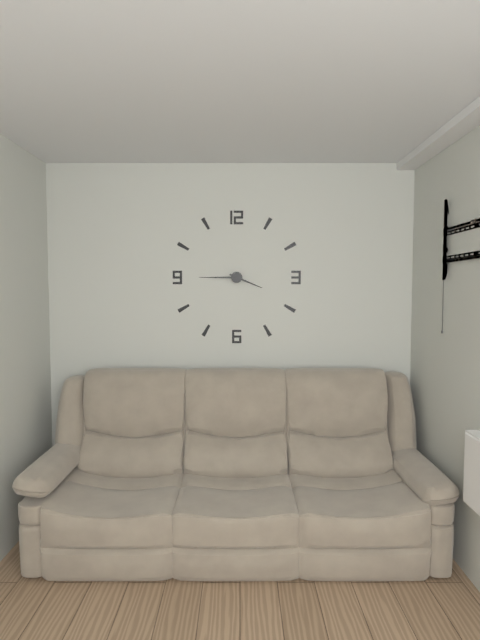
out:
3 h 45 min
